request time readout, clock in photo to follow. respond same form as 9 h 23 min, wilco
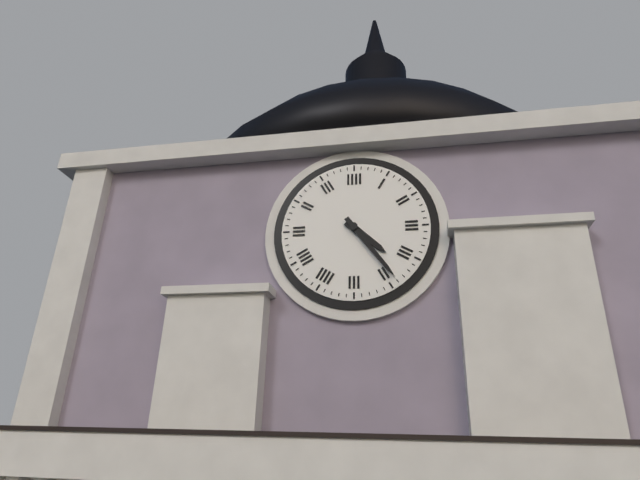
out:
4 h 24 min
